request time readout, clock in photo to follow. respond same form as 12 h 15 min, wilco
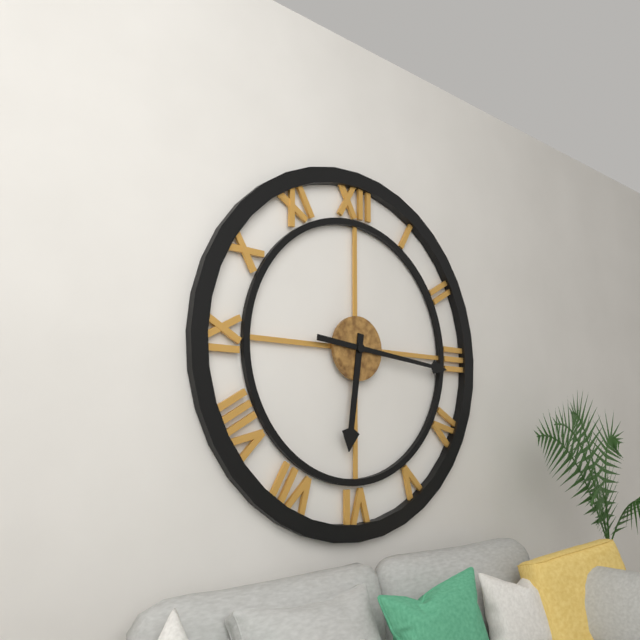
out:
6 h 16 min
